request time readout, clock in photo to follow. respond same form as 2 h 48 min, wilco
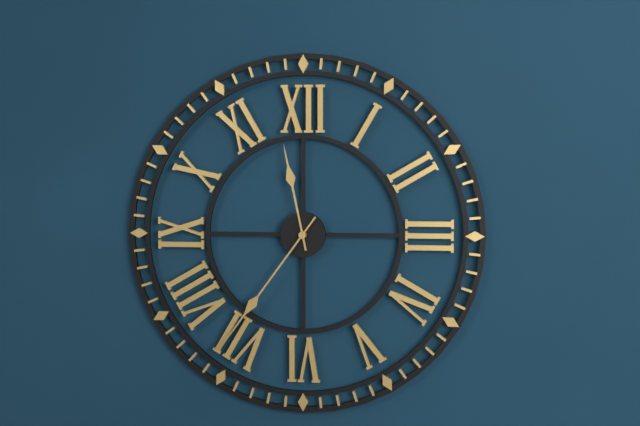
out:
11 h 36 min
